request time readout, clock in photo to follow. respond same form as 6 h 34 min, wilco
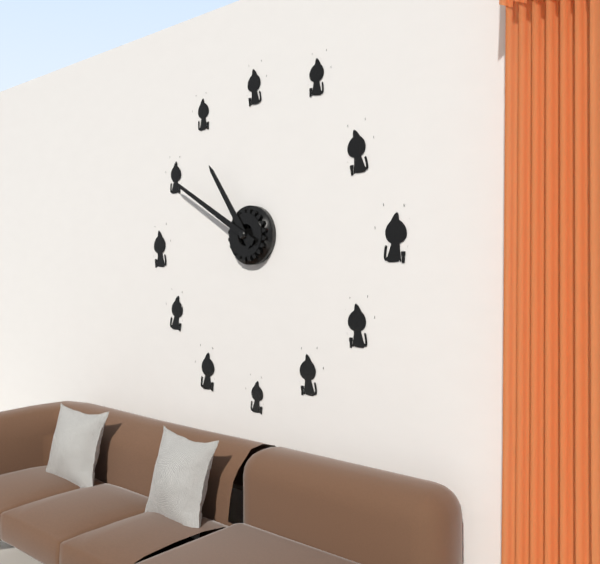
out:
10 h 50 min
